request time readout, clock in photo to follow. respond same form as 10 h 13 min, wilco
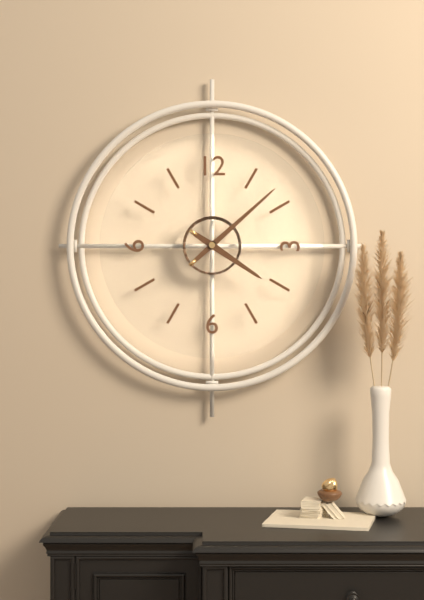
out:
4 h 08 min
